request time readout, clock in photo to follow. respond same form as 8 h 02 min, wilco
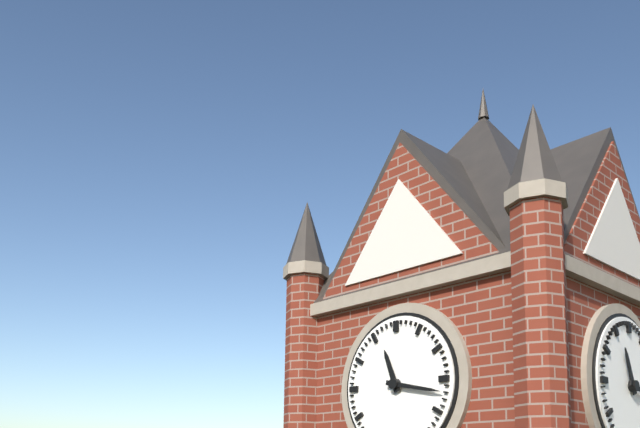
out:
11 h 17 min
